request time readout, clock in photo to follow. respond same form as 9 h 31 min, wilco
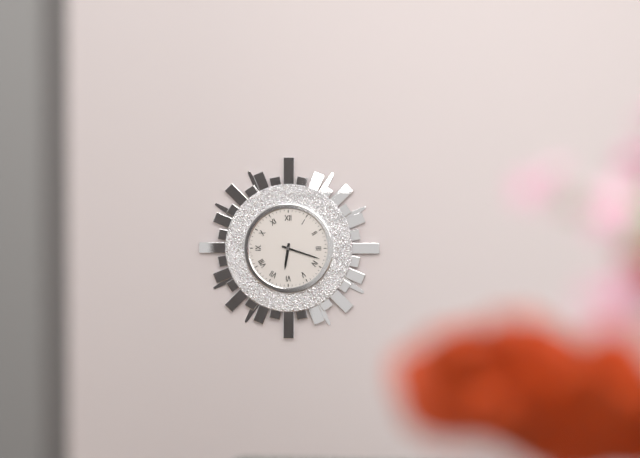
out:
6 h 18 min
